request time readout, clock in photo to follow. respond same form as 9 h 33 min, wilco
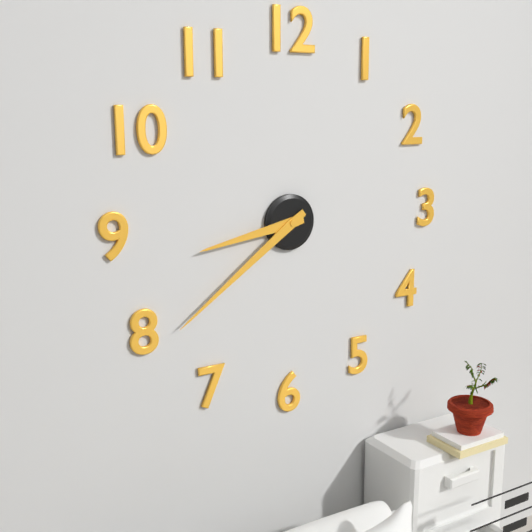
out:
8 h 39 min
